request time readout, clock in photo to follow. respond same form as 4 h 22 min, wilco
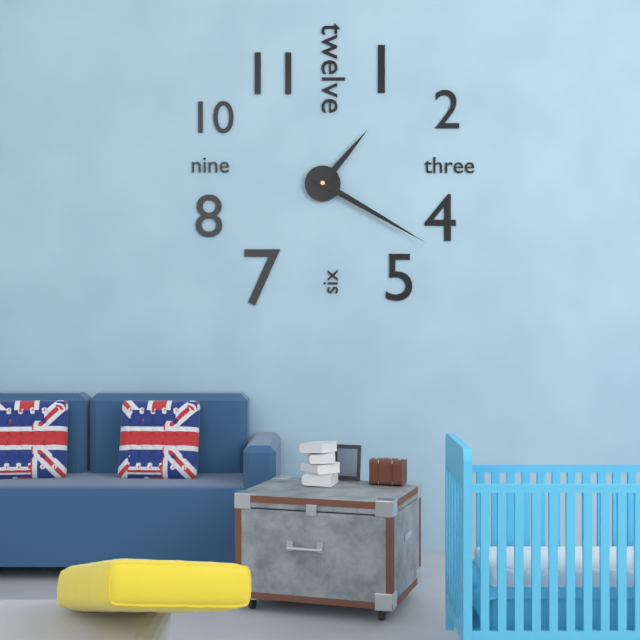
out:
1 h 20 min
